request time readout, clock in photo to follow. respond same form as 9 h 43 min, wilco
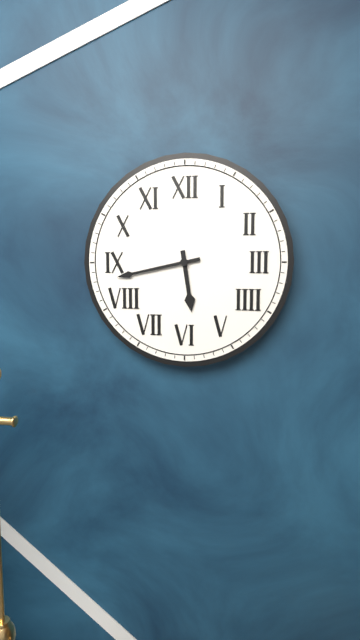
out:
5 h 43 min
